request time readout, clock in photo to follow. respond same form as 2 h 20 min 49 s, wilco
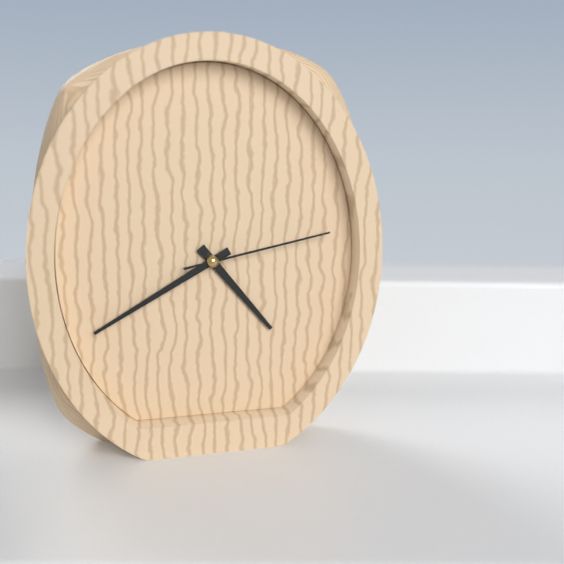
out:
4 h 40 min 13 s
